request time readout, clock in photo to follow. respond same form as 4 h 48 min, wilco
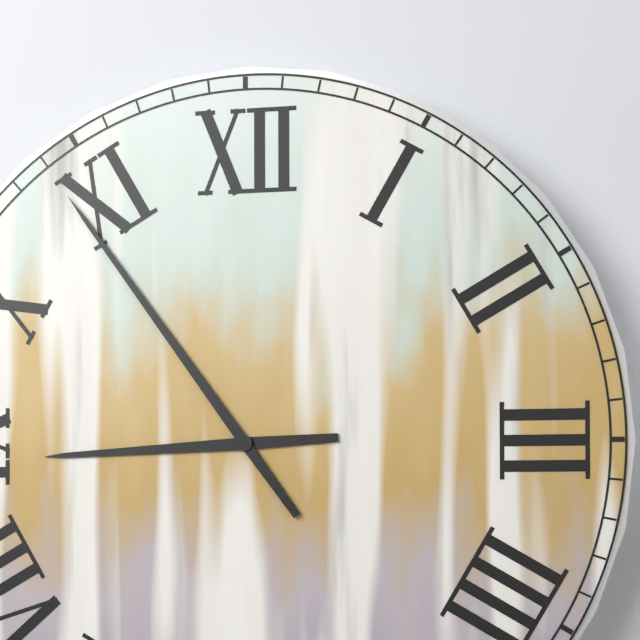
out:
8 h 54 min
